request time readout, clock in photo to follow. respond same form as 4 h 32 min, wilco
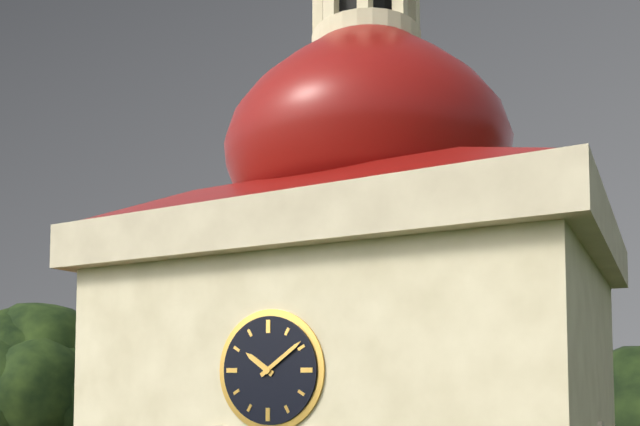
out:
10 h 09 min
